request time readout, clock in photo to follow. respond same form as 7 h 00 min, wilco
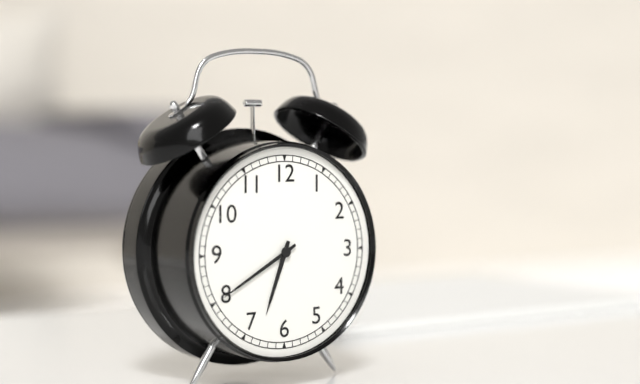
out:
6 h 40 min
